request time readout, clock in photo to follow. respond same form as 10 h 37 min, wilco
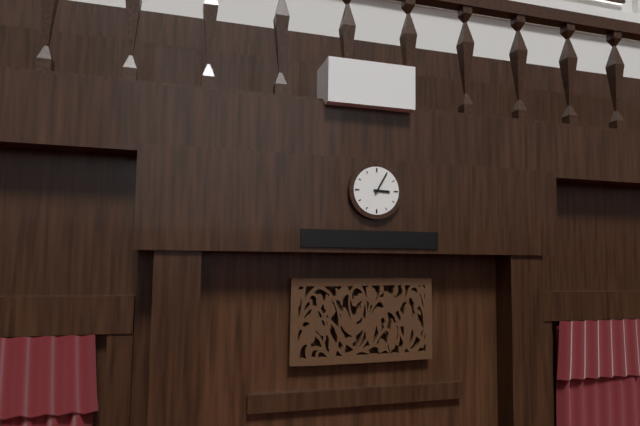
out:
3 h 05 min
